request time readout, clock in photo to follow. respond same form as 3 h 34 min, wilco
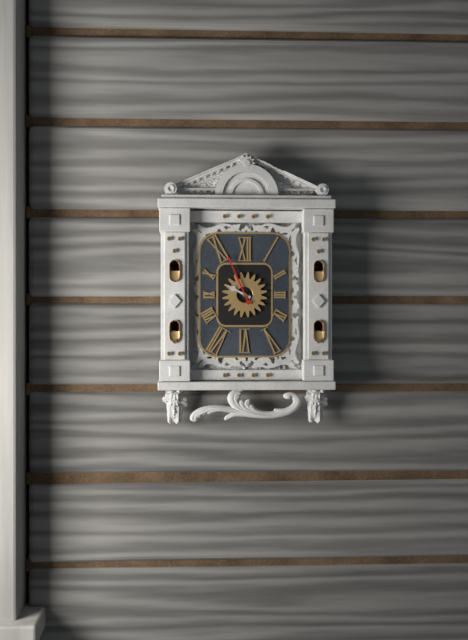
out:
9 h 56 min
